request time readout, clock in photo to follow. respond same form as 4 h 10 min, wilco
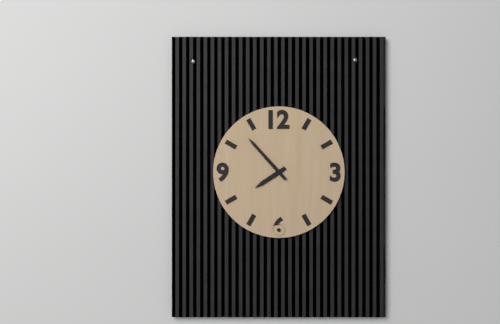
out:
7 h 53 min
